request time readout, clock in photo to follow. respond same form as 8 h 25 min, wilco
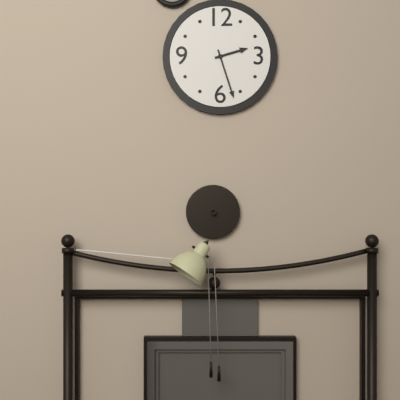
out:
2 h 27 min
